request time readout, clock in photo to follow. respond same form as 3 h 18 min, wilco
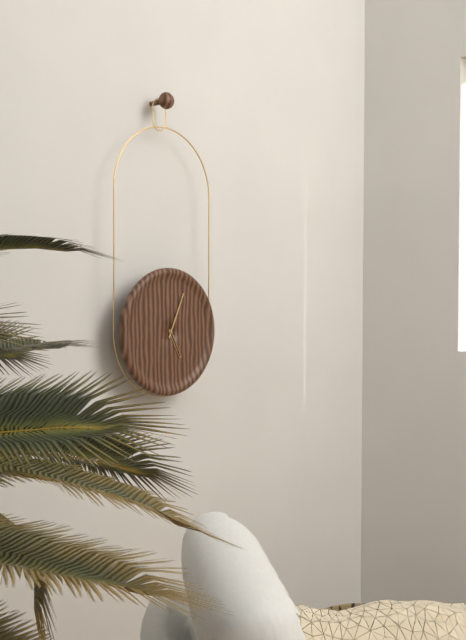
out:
5 h 04 min
